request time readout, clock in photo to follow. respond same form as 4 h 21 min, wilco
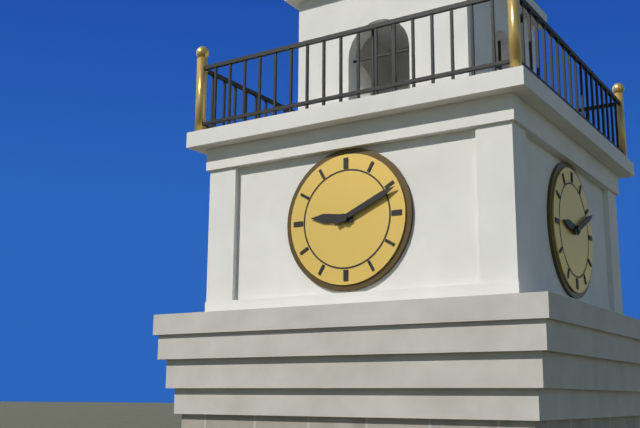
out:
9 h 11 min
